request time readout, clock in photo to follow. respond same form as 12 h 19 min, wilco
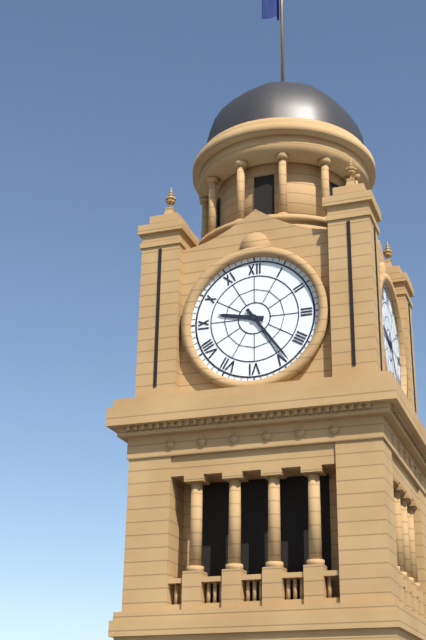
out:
9 h 24 min
